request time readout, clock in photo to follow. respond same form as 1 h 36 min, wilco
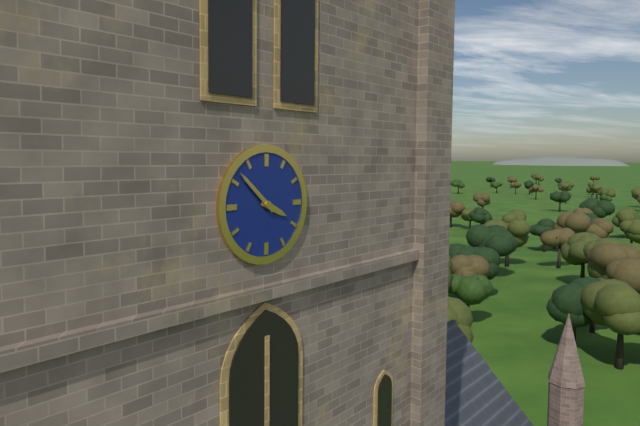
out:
3 h 52 min
